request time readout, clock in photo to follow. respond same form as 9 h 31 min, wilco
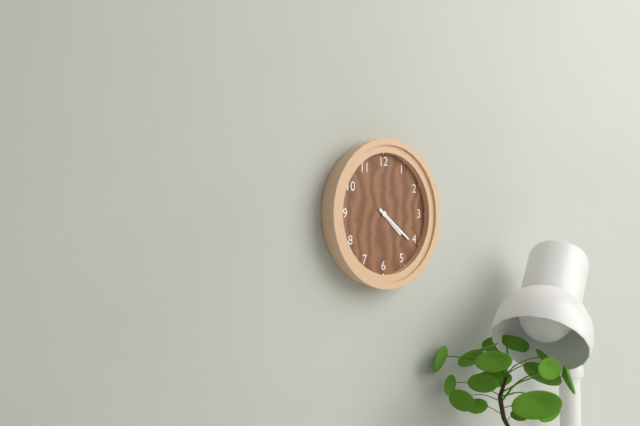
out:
4 h 21 min
